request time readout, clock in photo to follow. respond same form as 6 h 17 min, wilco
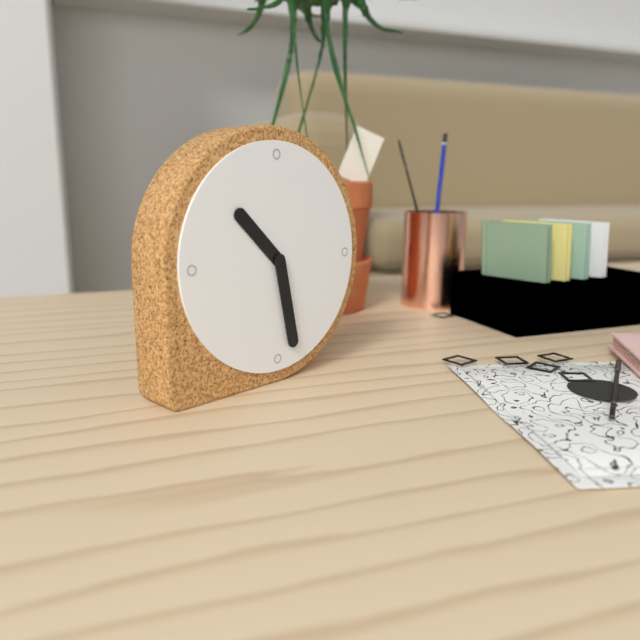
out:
10 h 28 min
